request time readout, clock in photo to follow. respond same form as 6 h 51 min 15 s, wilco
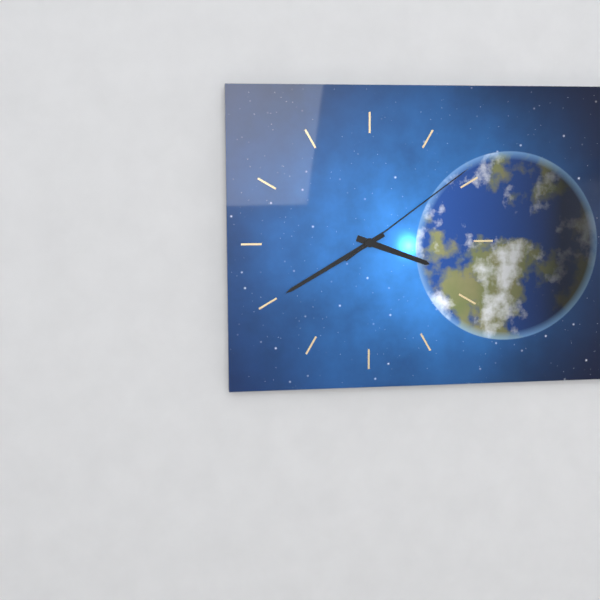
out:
3 h 40 min 09 s
